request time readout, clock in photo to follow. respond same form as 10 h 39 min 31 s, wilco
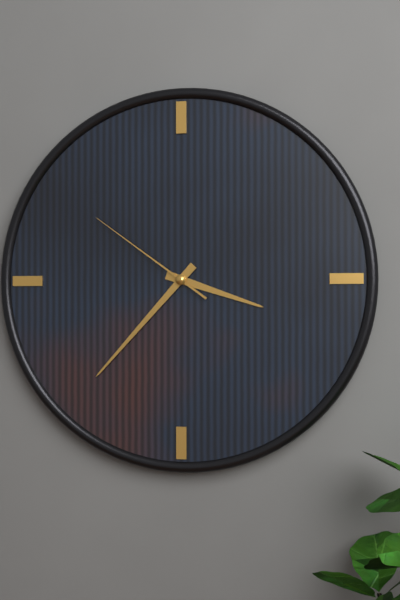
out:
3 h 37 min 51 s
